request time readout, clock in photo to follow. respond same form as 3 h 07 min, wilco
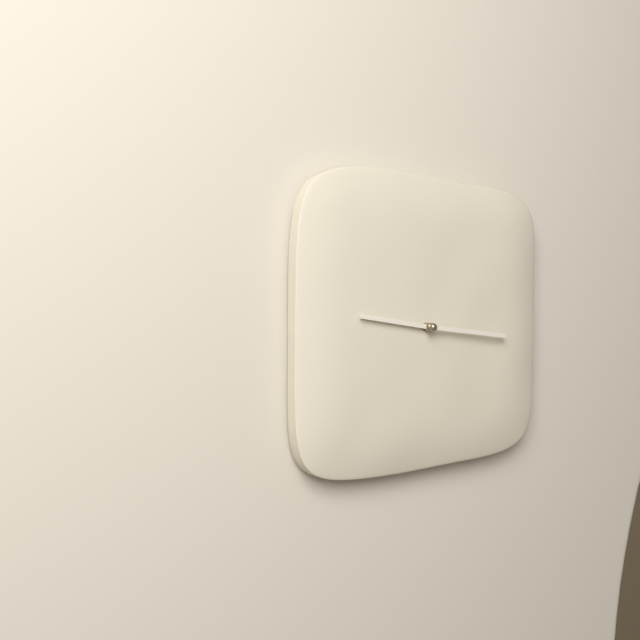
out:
9 h 16 min
